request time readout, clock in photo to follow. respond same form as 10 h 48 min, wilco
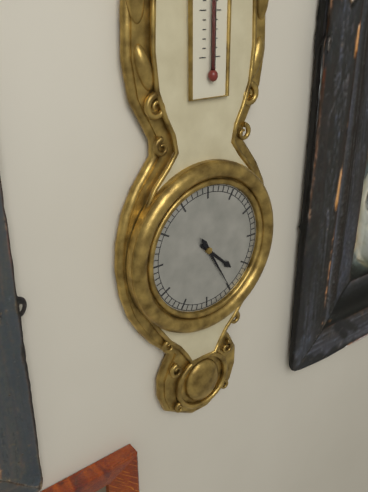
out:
4 h 25 min
